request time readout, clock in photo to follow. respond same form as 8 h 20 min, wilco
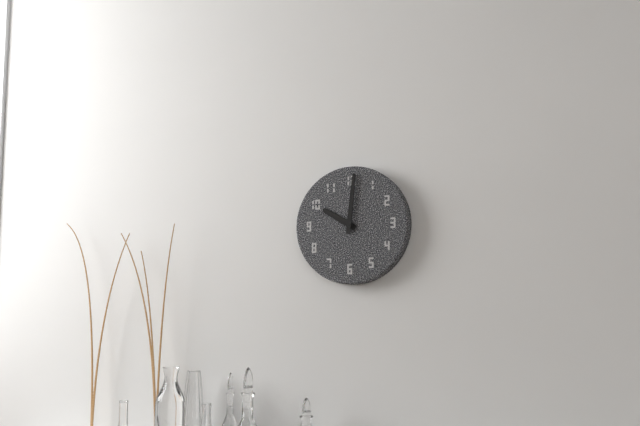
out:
10 h 01 min
